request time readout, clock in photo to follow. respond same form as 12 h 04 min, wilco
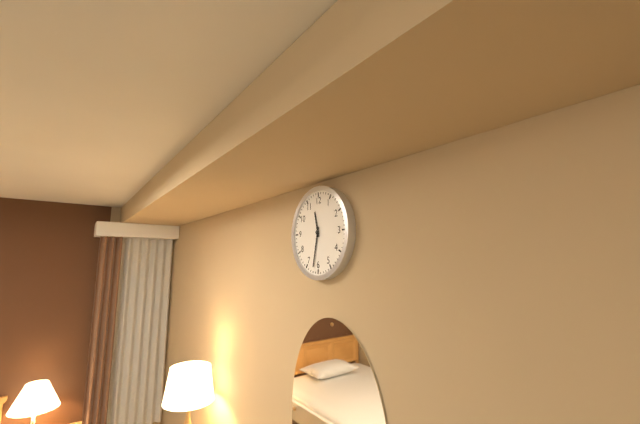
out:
11 h 32 min
